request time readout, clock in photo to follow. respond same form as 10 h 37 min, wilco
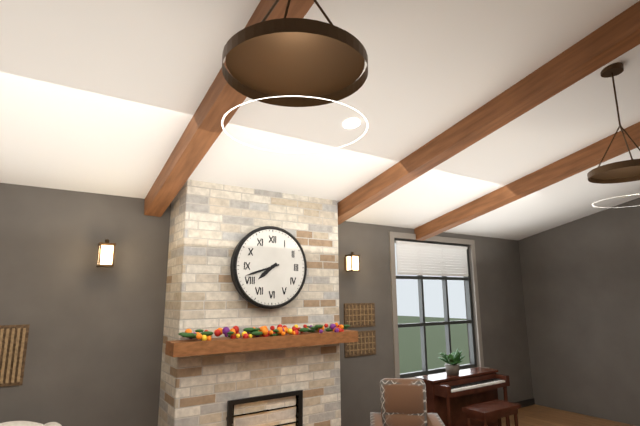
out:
7 h 42 min
